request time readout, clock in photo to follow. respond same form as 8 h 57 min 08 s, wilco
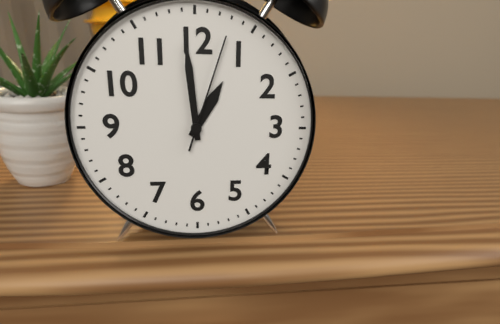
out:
12 h 59 min 03 s
